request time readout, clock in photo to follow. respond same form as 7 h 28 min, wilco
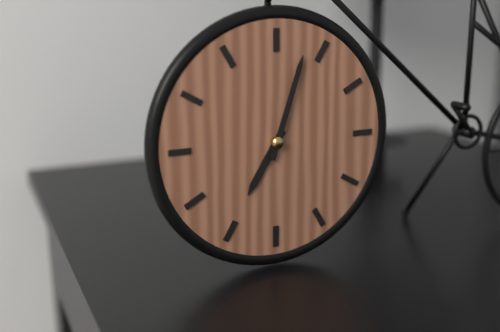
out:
7 h 03 min
